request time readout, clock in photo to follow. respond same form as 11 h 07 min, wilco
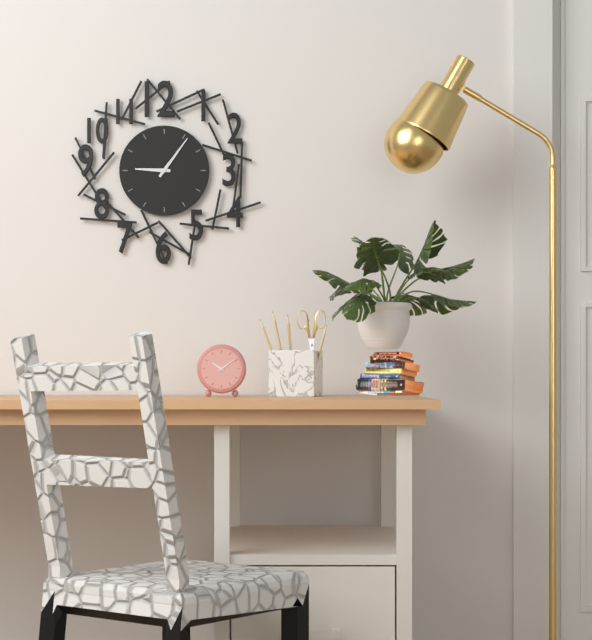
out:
9 h 06 min
